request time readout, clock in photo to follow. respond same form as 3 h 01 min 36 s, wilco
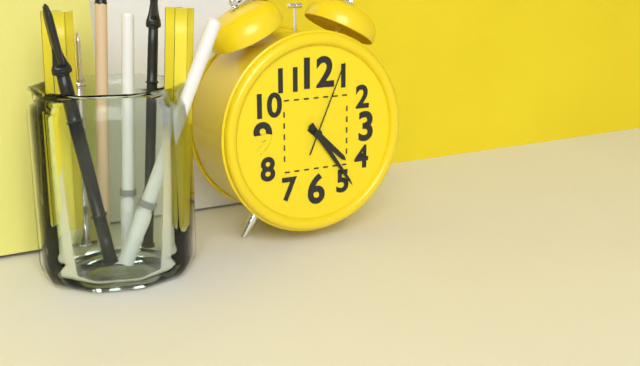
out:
4 h 24 min 04 s
